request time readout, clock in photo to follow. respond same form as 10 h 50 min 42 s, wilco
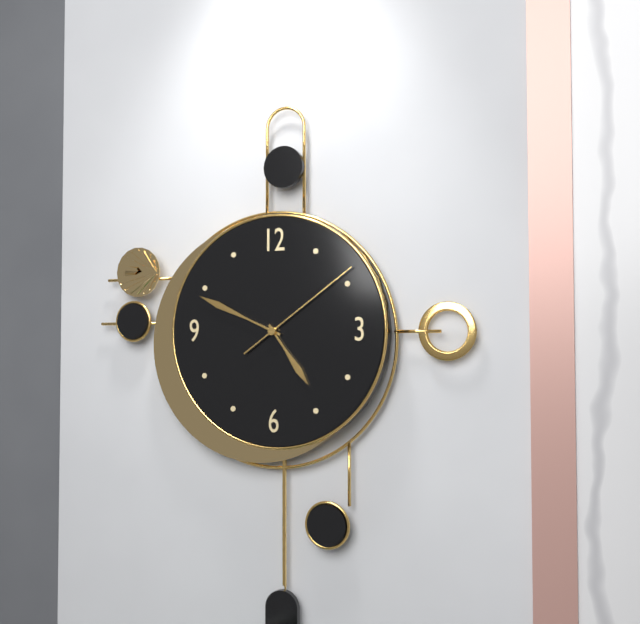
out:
4 h 49 min 09 s
